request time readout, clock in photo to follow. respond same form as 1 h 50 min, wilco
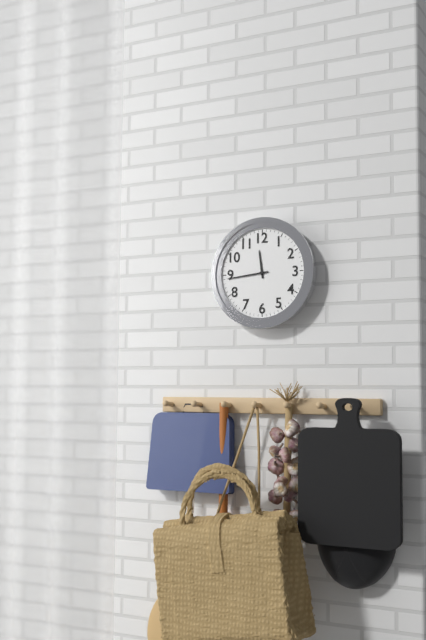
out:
11 h 44 min
